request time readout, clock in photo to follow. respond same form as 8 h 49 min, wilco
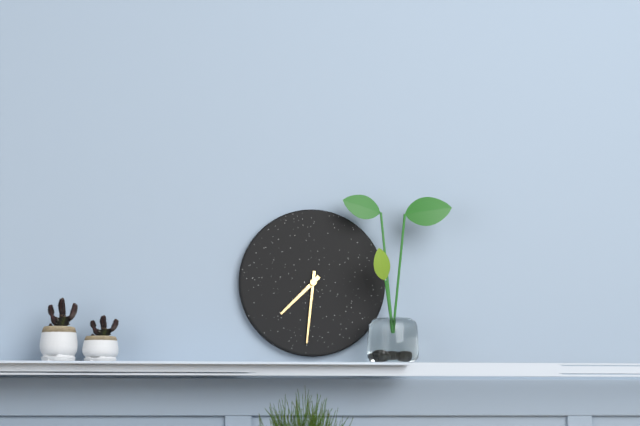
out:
7 h 31 min
